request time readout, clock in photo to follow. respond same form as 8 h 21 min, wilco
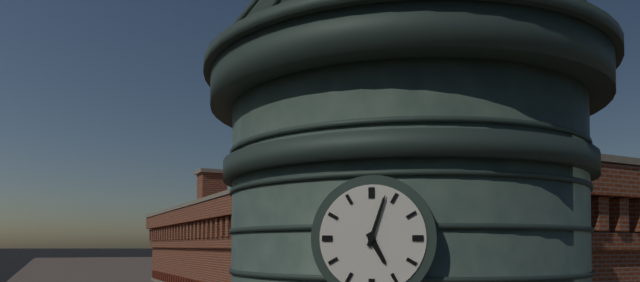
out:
5 h 03 min
